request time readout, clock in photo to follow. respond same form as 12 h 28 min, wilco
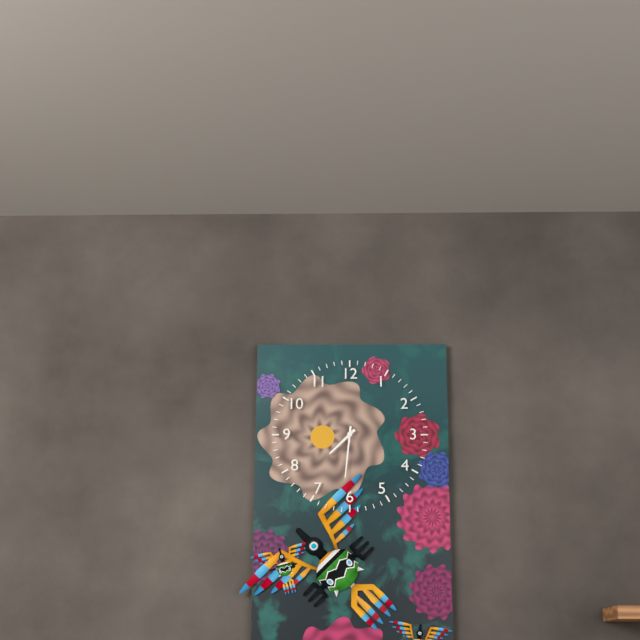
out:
7 h 31 min
